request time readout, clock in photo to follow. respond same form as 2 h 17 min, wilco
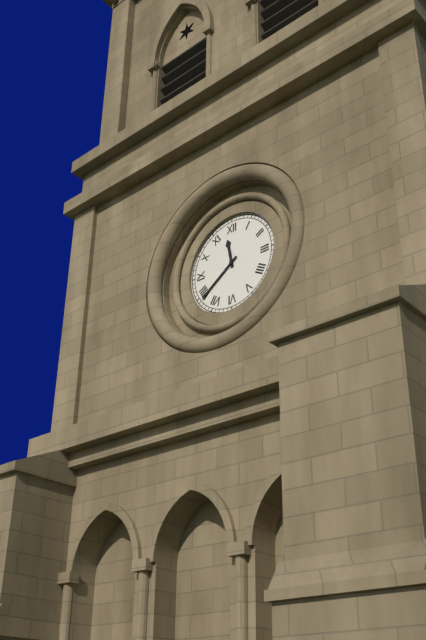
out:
11 h 39 min
